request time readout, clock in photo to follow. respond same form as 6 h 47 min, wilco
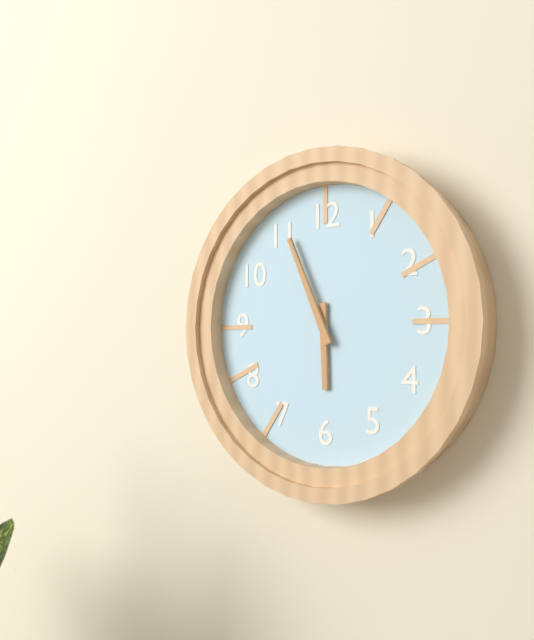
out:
5 h 56 min
